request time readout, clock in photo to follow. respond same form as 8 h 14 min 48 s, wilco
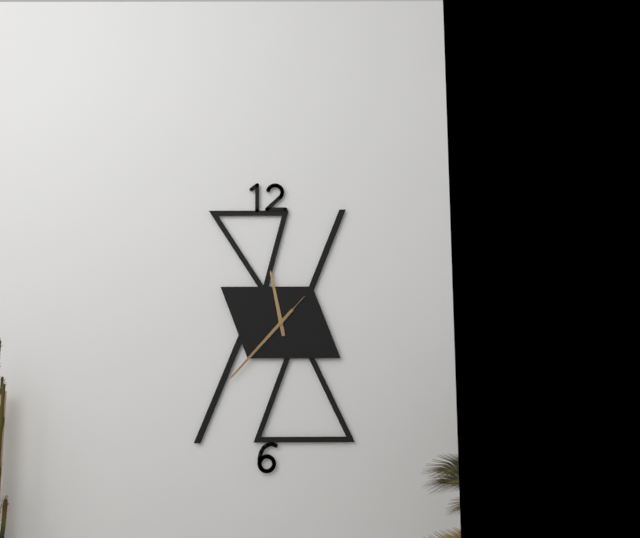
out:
11 h 37 min 37 s
